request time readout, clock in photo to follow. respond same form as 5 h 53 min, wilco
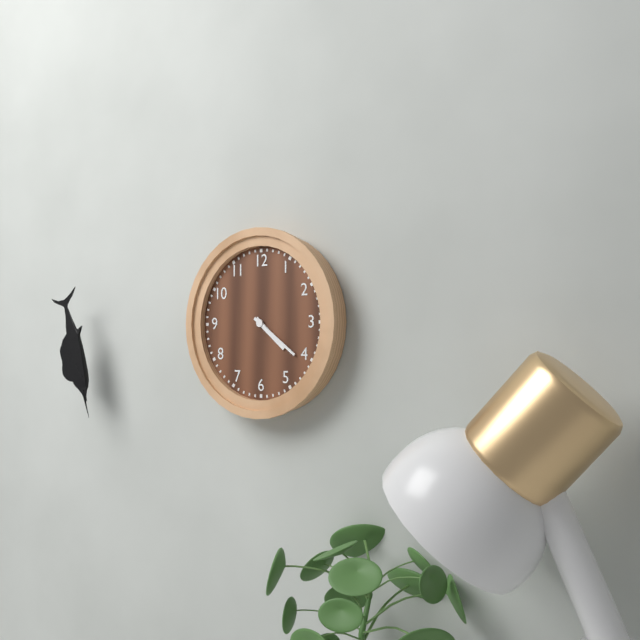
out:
4 h 21 min
